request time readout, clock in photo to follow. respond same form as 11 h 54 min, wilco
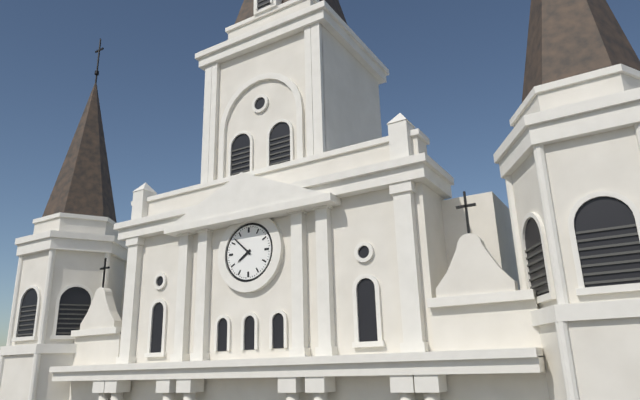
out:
7 h 52 min
